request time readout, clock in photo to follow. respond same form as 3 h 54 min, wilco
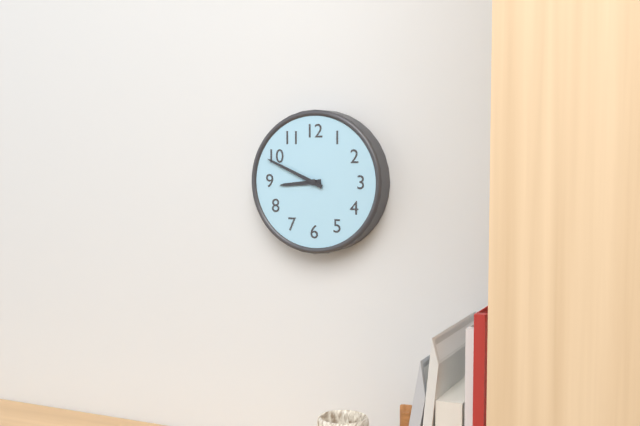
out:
8 h 49 min
